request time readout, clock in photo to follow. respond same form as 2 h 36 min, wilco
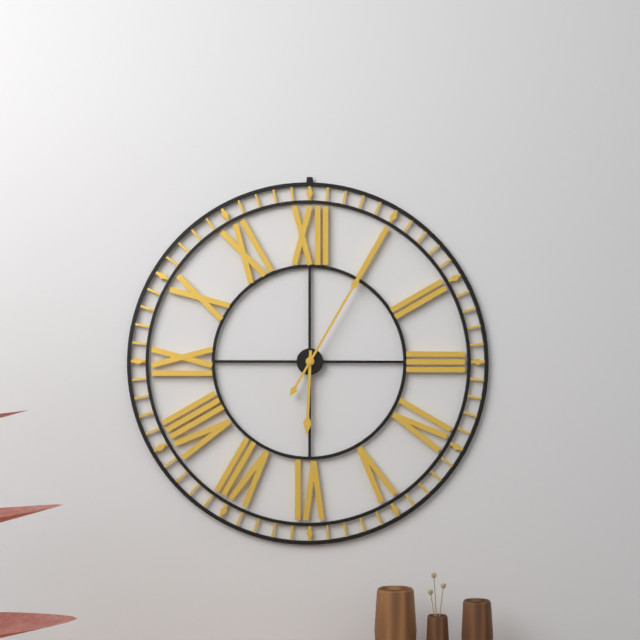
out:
6 h 05 min
